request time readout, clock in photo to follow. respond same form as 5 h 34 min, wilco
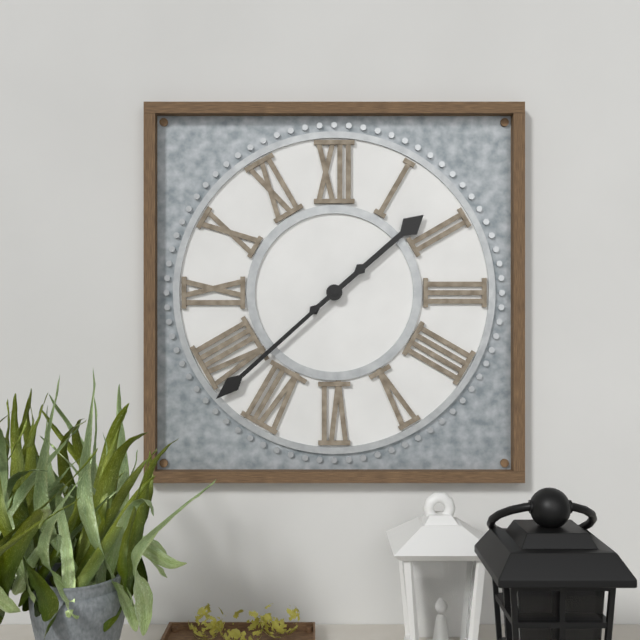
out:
1 h 38 min
